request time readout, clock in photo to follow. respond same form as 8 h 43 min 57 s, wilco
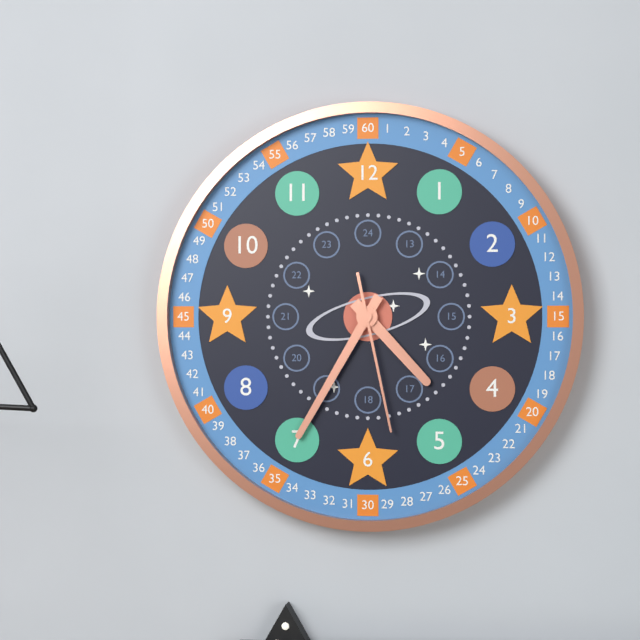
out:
4 h 35 min 28 s
